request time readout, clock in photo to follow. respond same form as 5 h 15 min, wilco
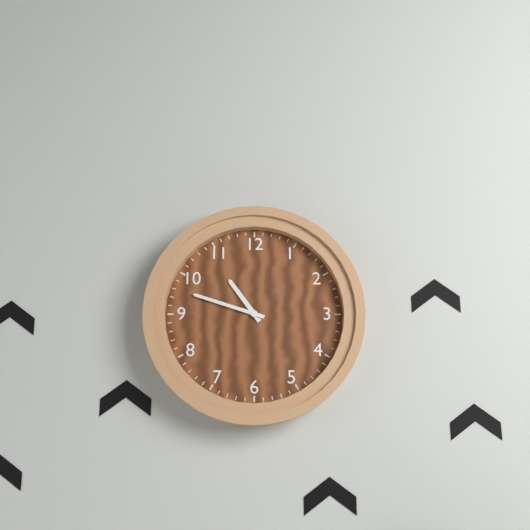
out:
10 h 48 min
